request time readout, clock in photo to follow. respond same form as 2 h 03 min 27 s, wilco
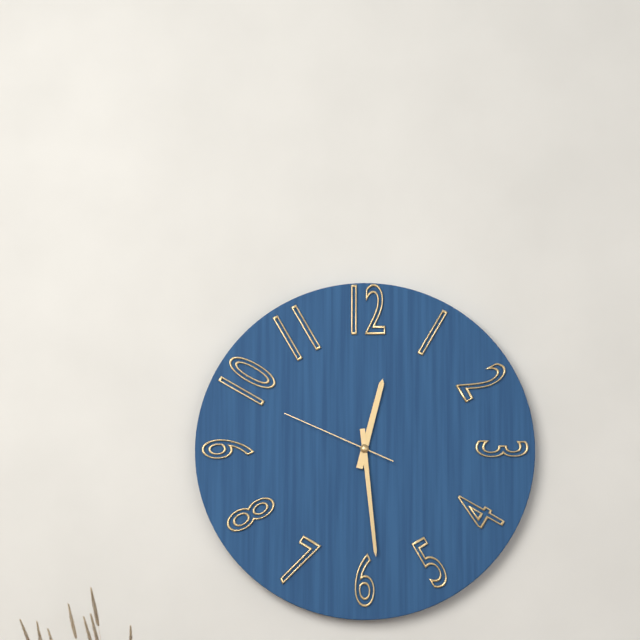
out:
12 h 29 min 49 s
